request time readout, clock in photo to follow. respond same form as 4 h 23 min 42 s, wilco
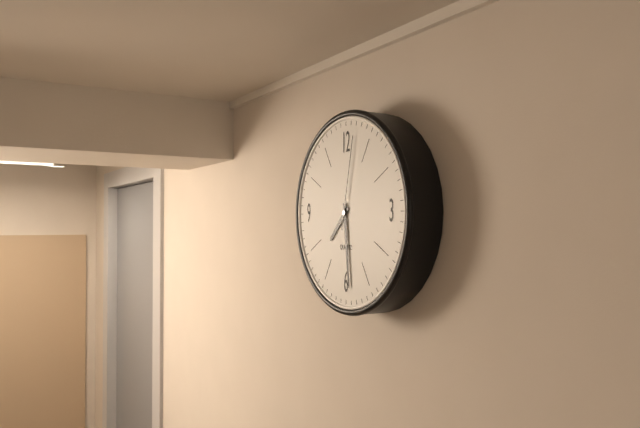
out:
7 h 29 min 02 s
